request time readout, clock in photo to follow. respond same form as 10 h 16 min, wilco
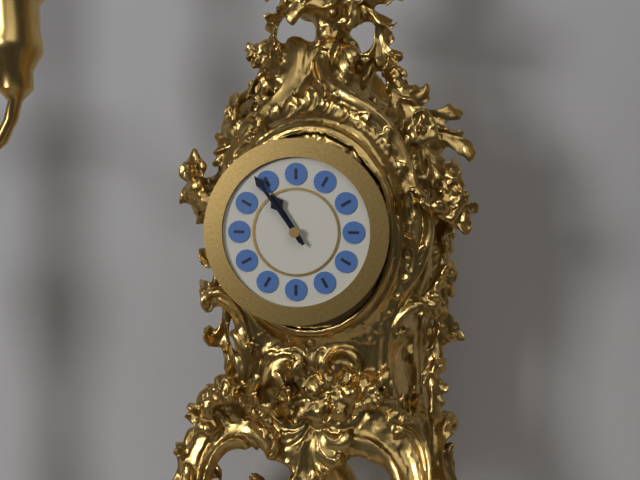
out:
10 h 54 min
